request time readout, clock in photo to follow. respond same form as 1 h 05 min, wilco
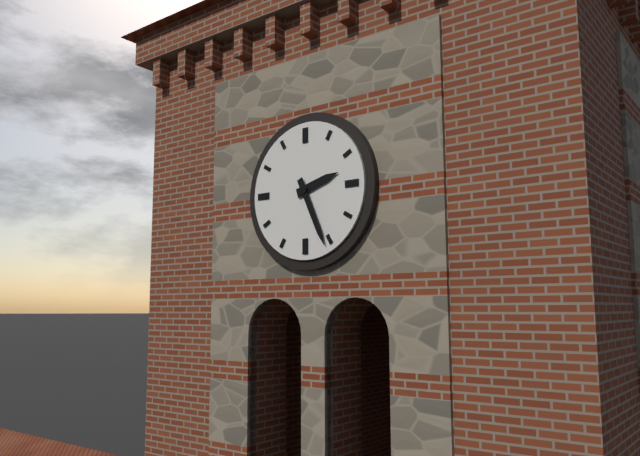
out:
2 h 26 min
